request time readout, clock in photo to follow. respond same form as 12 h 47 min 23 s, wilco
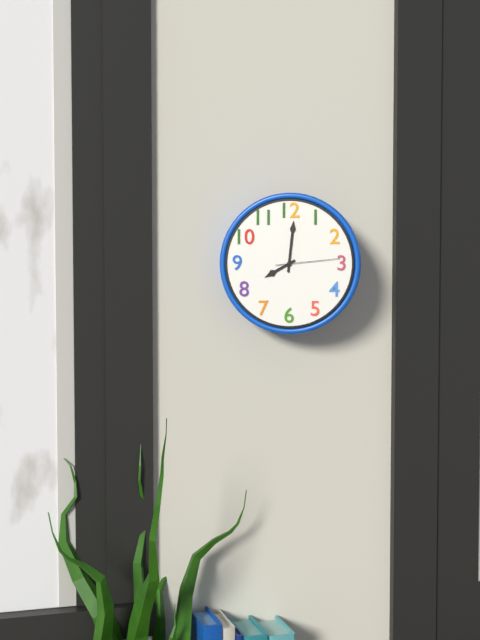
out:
8 h 01 min 14 s
